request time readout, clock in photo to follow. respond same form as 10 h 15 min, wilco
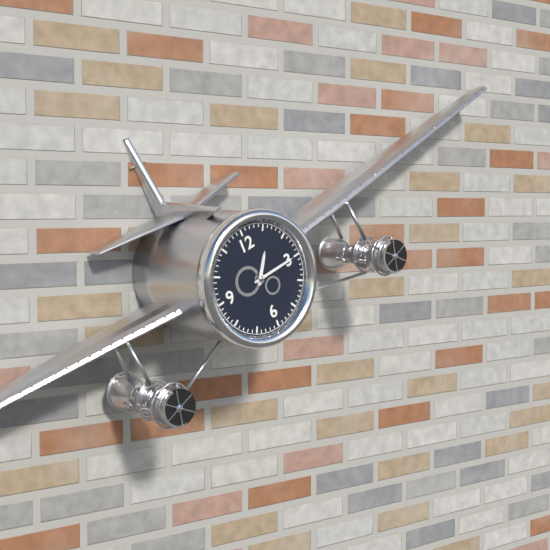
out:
1 h 15 min
